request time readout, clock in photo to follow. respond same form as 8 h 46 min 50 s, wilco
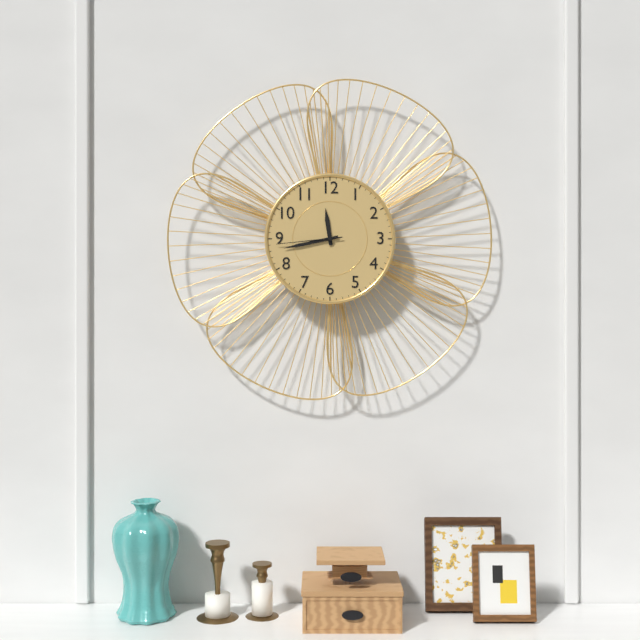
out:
11 h 43 min 44 s
